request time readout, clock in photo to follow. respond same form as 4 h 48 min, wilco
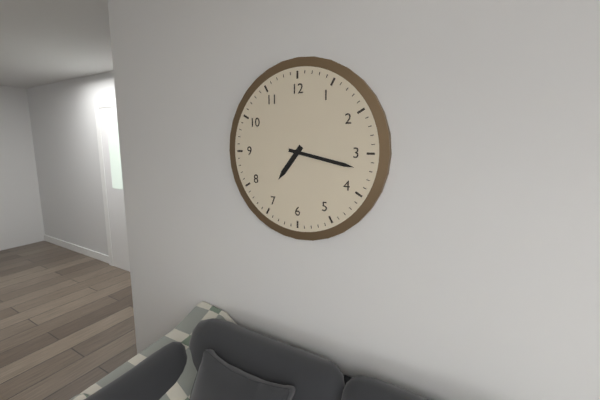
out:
7 h 17 min
